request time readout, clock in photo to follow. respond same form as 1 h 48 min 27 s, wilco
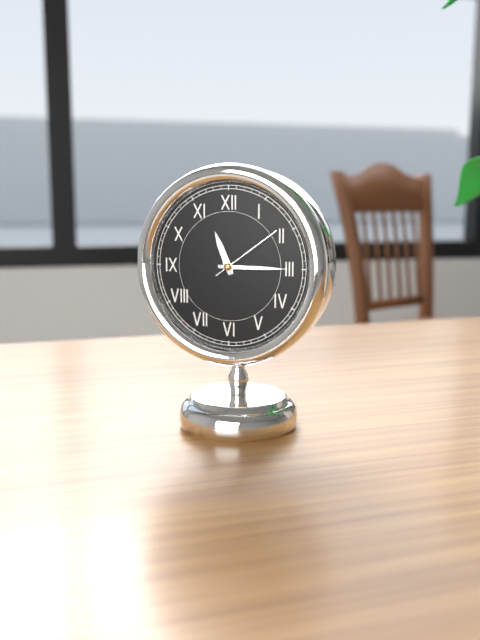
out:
11 h 15 min 09 s
